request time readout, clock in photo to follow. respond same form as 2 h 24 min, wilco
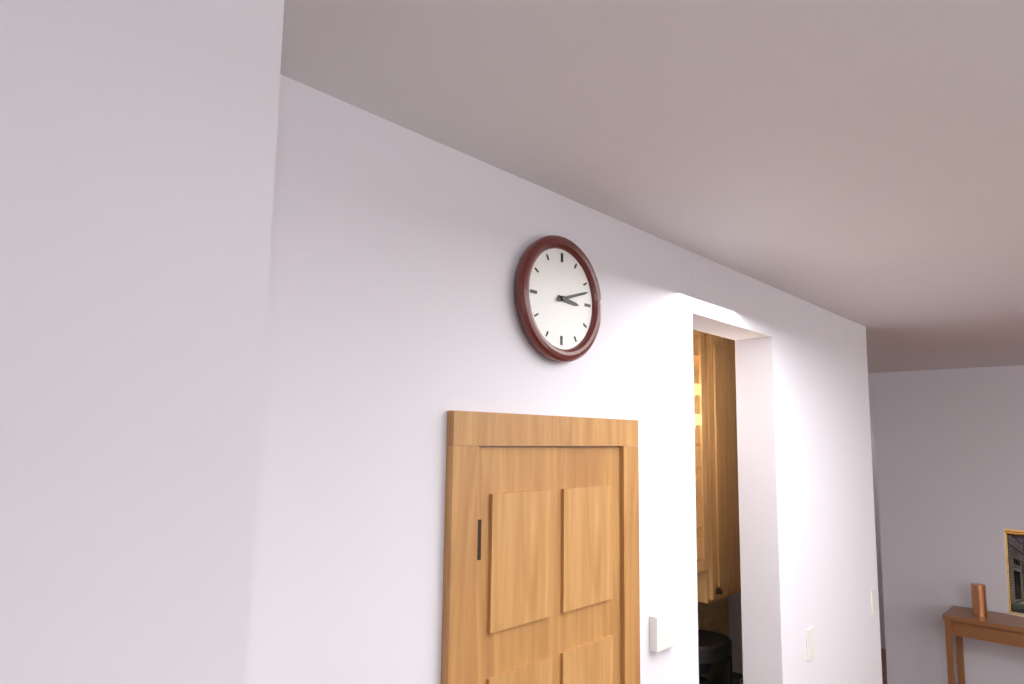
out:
3 h 12 min
